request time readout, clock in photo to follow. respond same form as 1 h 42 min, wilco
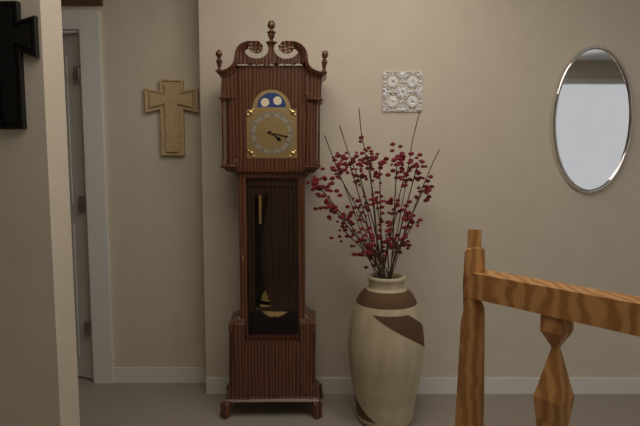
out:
4 h 17 min
